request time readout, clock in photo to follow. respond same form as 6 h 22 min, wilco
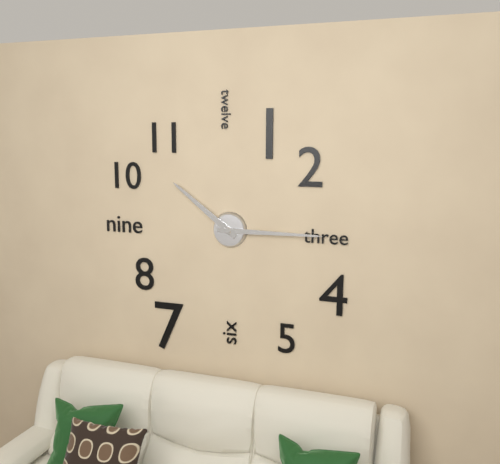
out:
10 h 15 min
